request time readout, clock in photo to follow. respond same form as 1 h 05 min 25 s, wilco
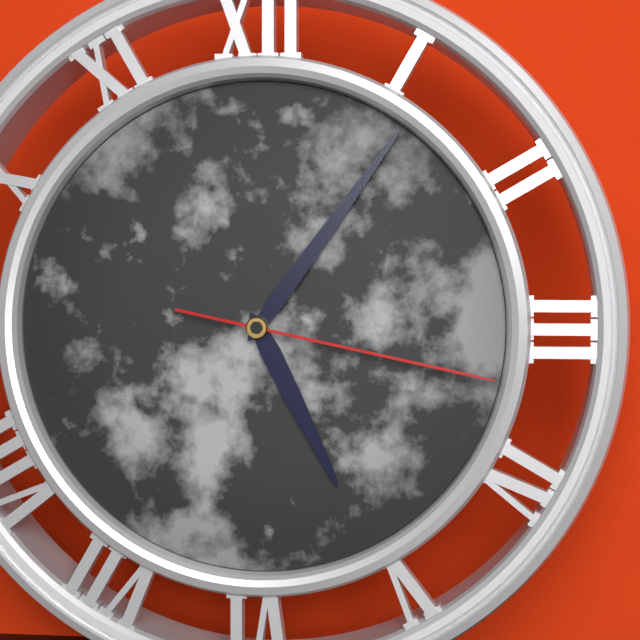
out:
5 h 06 min 17 s
